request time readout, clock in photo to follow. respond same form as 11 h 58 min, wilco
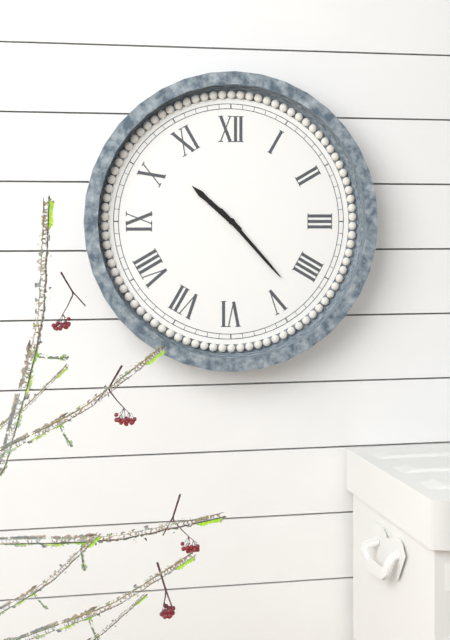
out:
10 h 23 min
